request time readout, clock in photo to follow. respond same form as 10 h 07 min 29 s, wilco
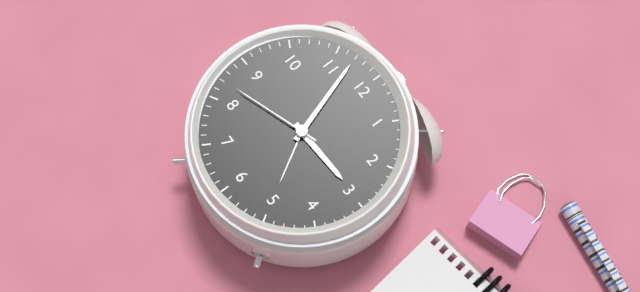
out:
2 h 57 min 42 s
